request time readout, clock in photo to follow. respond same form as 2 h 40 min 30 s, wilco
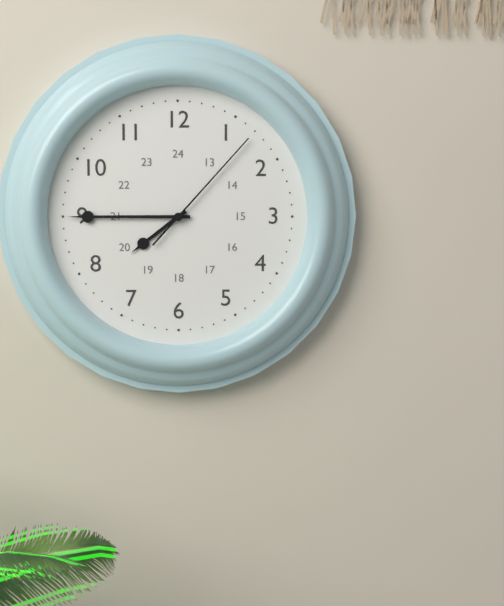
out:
7 h 45 min 07 s
